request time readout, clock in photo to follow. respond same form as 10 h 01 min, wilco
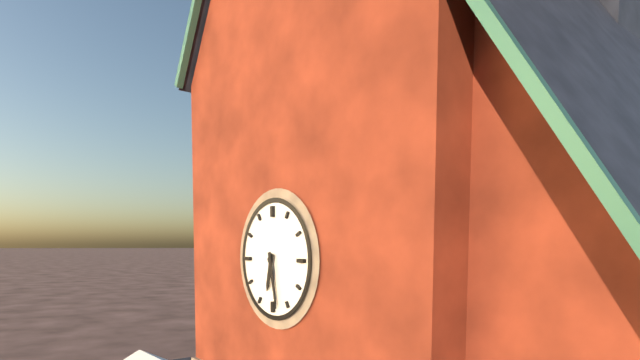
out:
6 h 28 min
